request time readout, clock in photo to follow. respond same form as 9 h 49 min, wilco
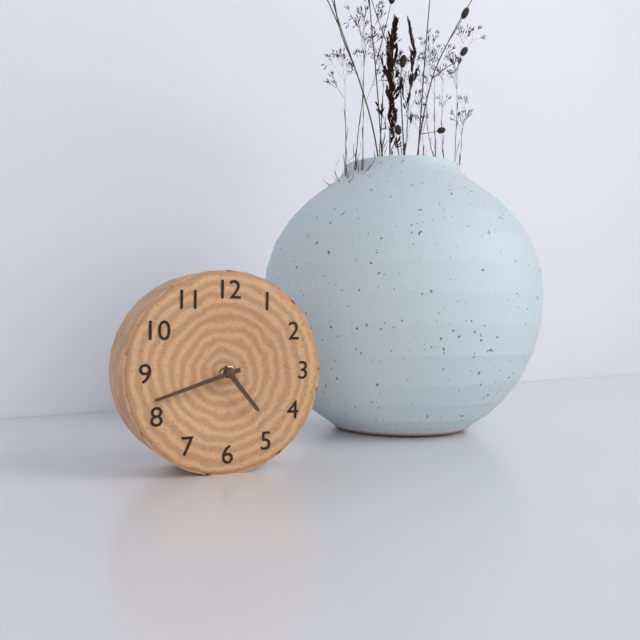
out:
4 h 42 min
